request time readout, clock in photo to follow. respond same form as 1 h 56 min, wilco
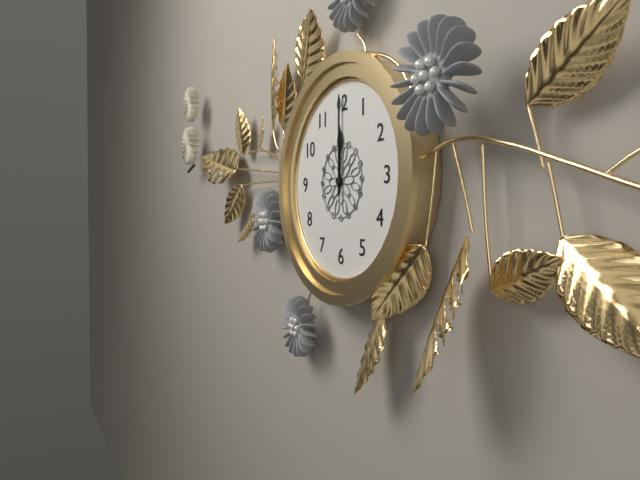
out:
12 h 00 min
